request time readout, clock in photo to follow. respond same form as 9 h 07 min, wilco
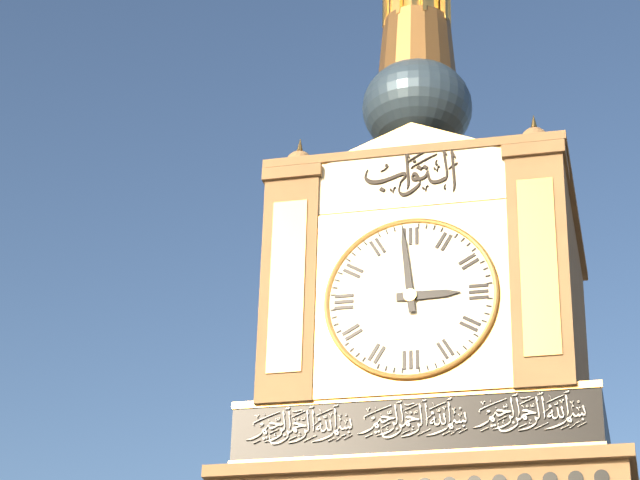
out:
2 h 59 min
